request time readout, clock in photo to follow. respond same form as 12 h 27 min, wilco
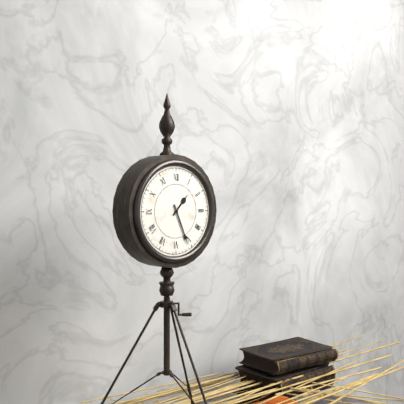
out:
1 h 26 min
